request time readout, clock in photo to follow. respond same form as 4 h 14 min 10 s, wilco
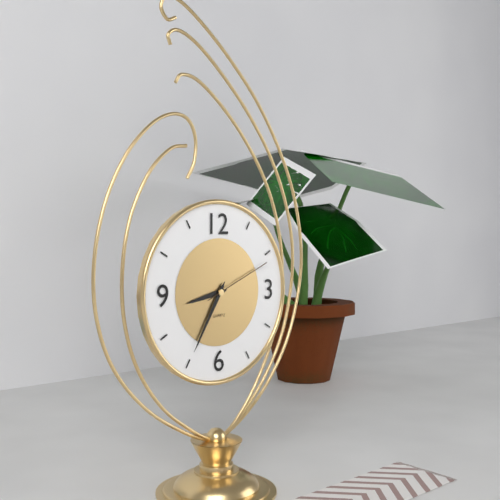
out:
8 h 35 min 11 s
